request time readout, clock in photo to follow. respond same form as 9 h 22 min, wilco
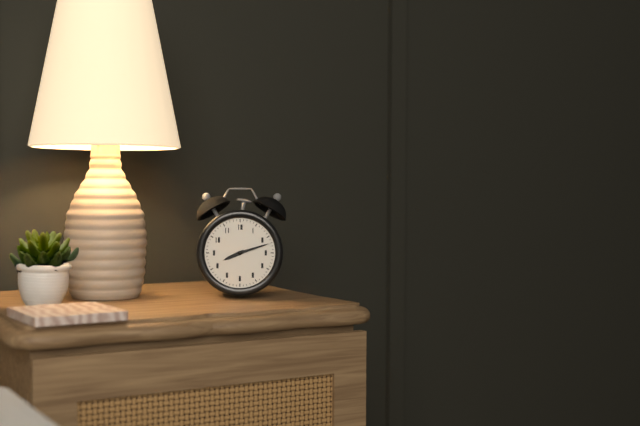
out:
8 h 12 min
